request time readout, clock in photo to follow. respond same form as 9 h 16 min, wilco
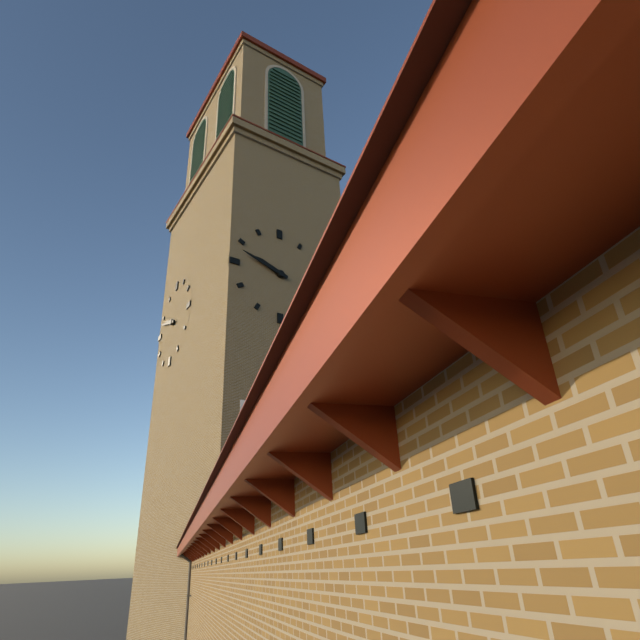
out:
9 h 48 min
